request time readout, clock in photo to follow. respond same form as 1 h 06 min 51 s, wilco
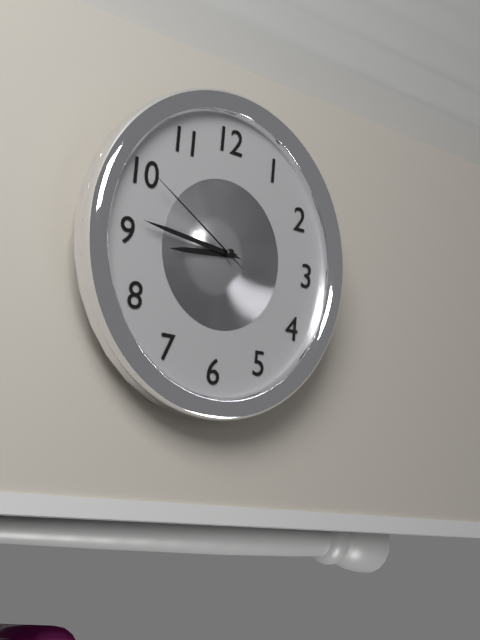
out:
8 h 46 min 50 s
